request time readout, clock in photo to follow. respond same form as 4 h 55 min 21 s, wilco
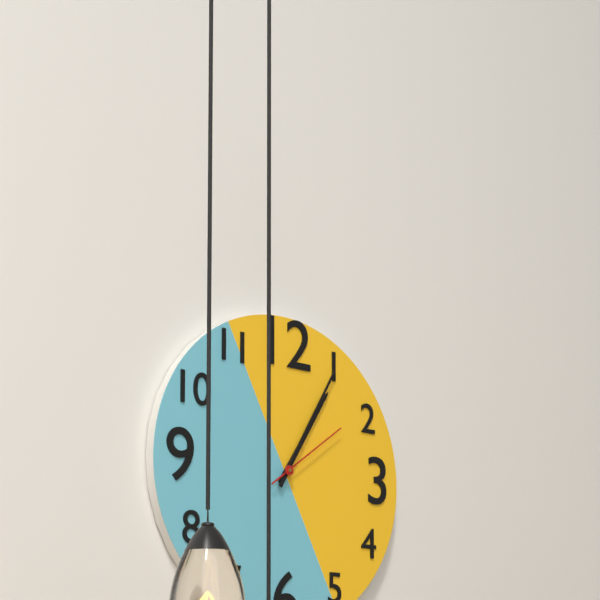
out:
1 h 05 min 09 s
